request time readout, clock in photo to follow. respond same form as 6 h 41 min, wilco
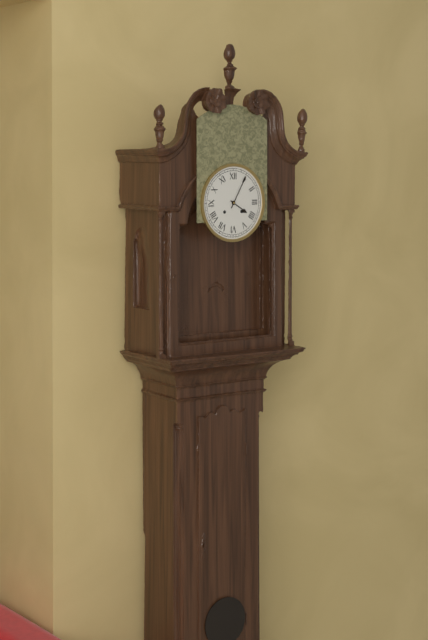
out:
4 h 05 min
